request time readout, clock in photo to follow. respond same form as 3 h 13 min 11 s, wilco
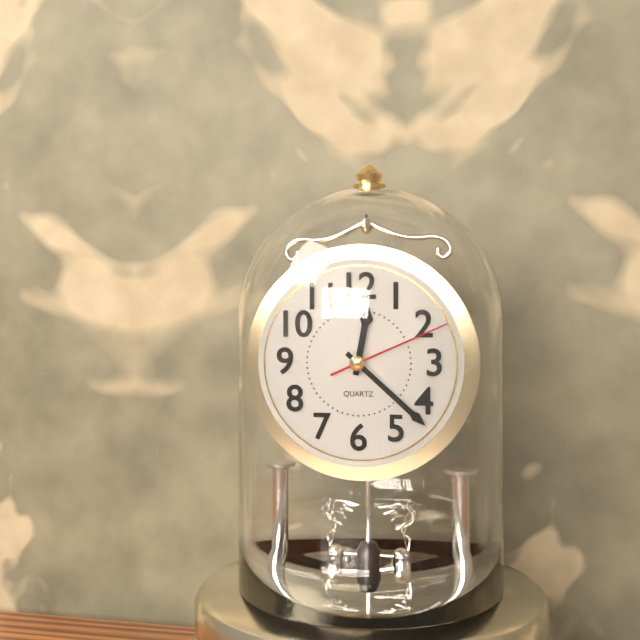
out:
12 h 22 min 11 s
